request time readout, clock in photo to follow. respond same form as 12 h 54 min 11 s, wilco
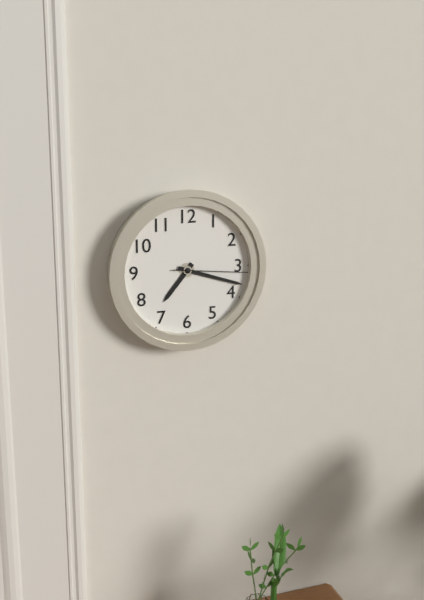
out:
7 h 18 min 16 s
